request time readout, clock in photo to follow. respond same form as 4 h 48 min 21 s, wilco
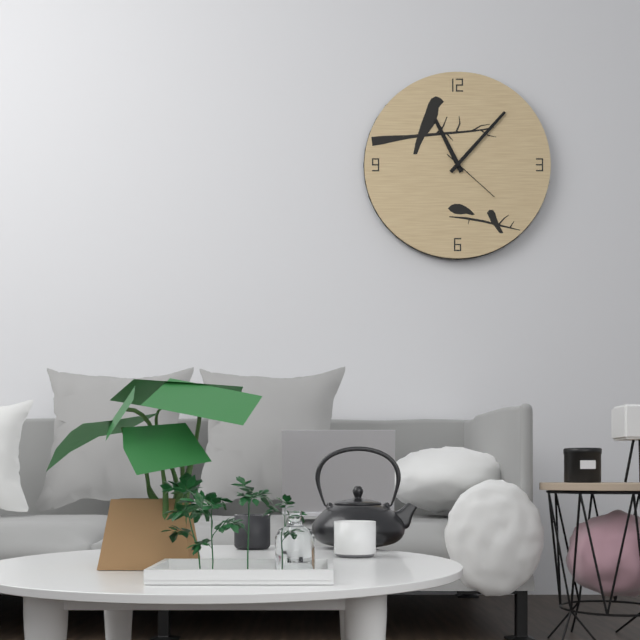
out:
11 h 07 min 22 s
